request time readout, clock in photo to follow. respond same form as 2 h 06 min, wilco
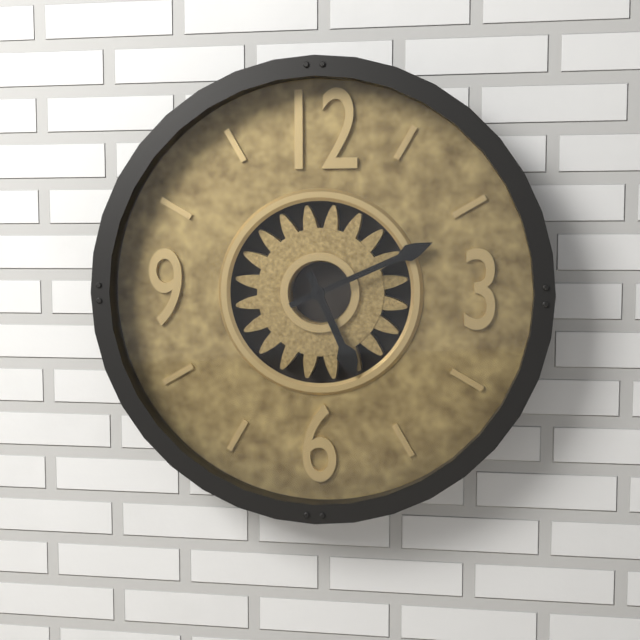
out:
5 h 11 min
